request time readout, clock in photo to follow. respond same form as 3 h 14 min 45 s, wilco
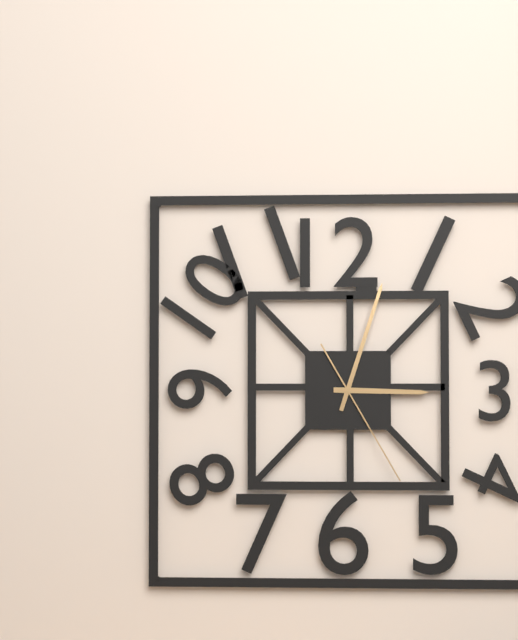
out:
3 h 03 min 25 s
